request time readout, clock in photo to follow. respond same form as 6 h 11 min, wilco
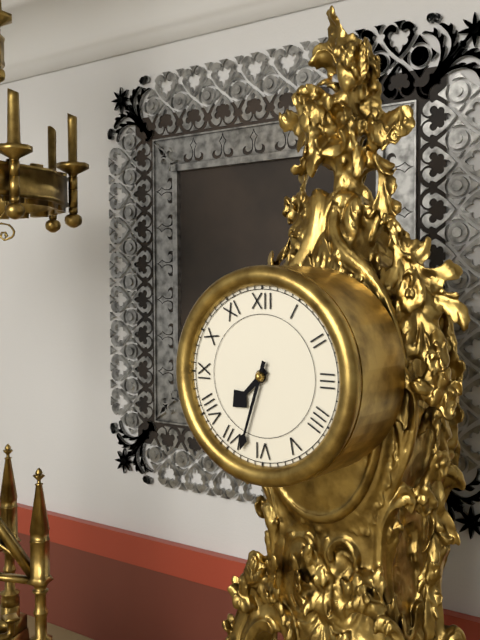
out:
7 h 33 min
